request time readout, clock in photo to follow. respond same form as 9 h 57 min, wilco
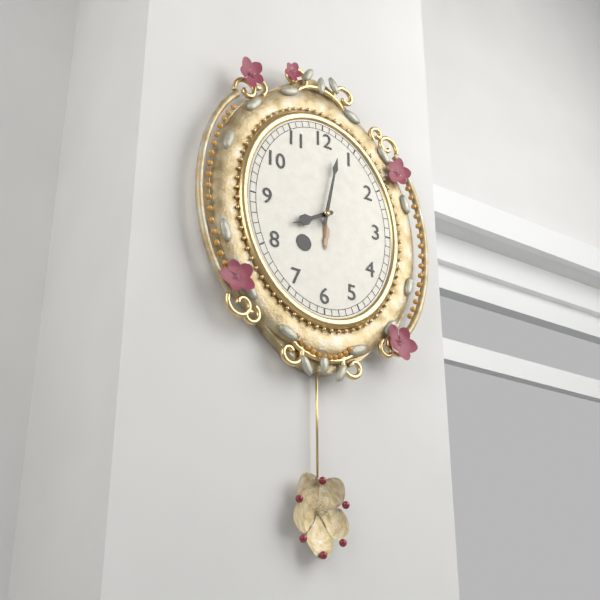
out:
8 h 02 min
